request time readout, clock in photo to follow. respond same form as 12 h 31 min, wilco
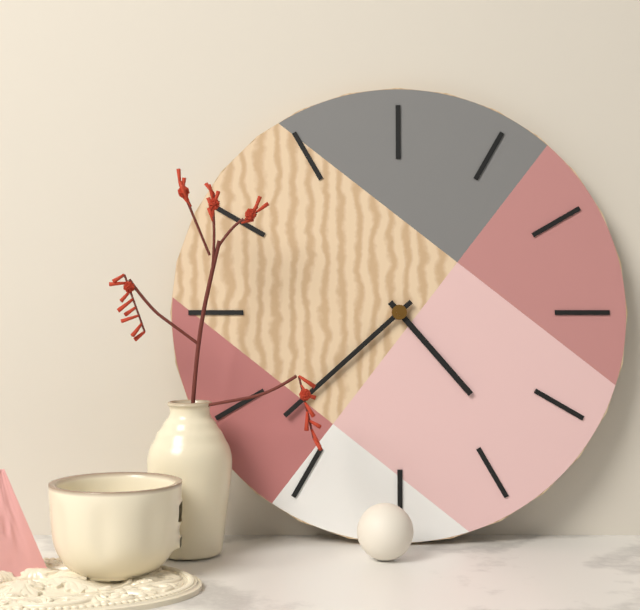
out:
4 h 38 min
